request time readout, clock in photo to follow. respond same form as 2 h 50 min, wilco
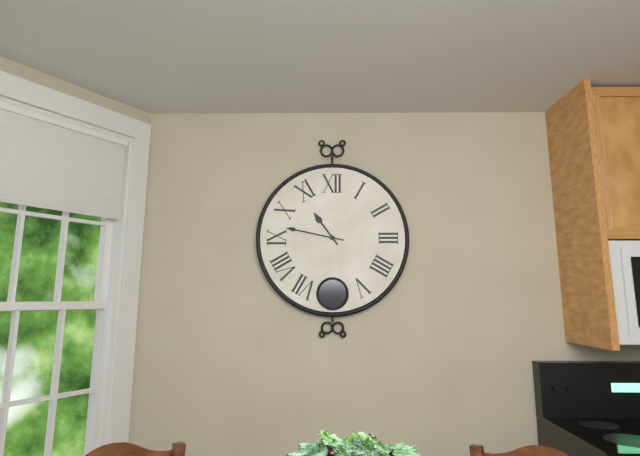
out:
10 h 47 min
